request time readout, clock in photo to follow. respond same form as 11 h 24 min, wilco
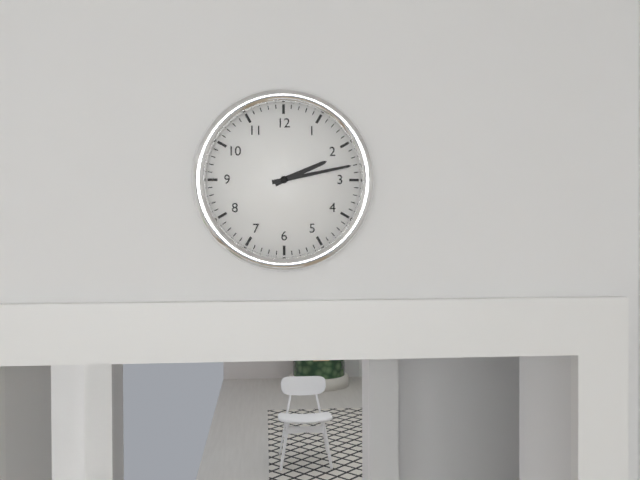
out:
2 h 13 min
